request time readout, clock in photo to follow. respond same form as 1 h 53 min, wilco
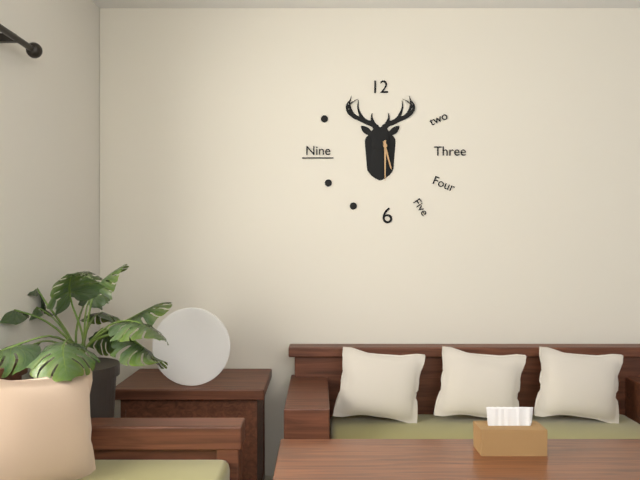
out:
5 h 30 min
